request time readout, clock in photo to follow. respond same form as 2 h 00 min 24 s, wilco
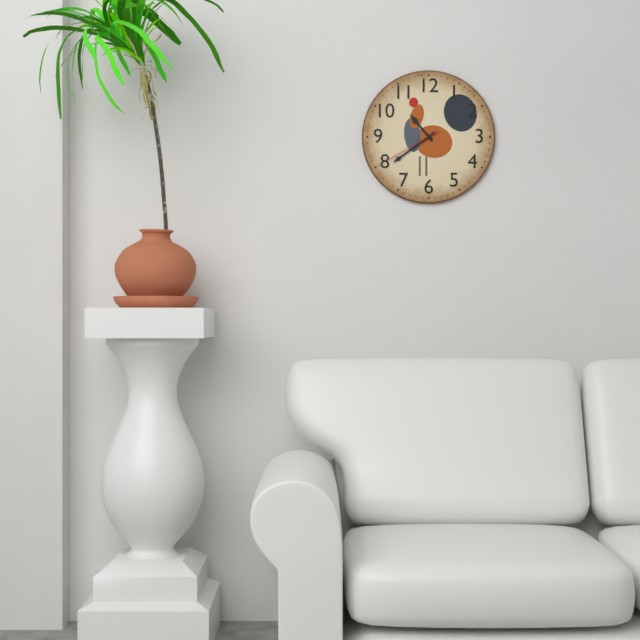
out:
10 h 39 min 40 s
